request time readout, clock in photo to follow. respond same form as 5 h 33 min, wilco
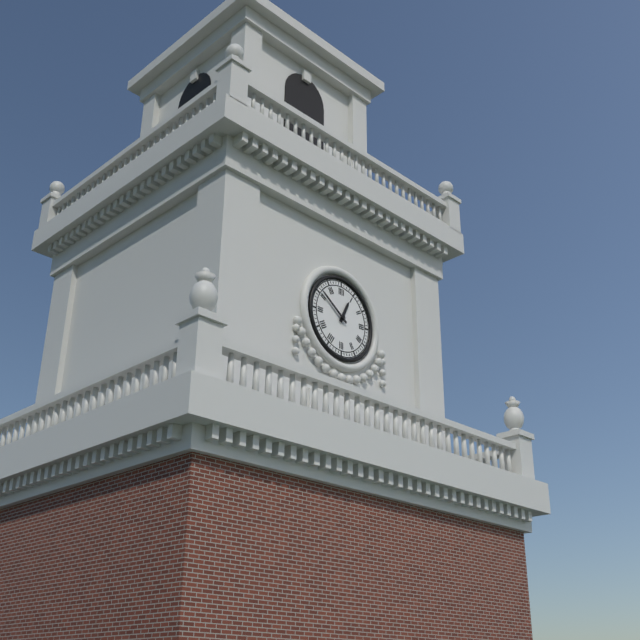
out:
12 h 51 min
